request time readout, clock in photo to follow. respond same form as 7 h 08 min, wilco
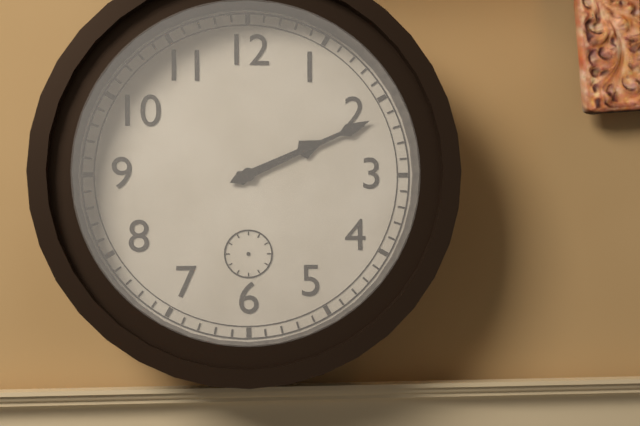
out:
2 h 11 min
